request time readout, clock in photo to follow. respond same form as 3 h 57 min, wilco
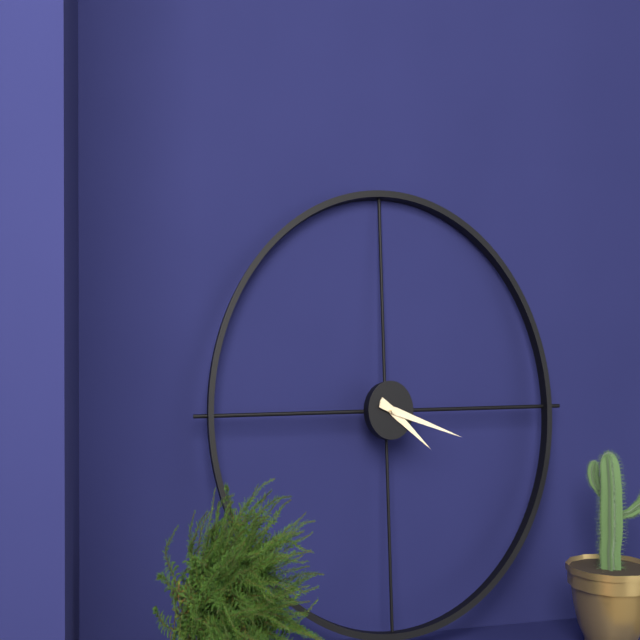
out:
4 h 18 min
